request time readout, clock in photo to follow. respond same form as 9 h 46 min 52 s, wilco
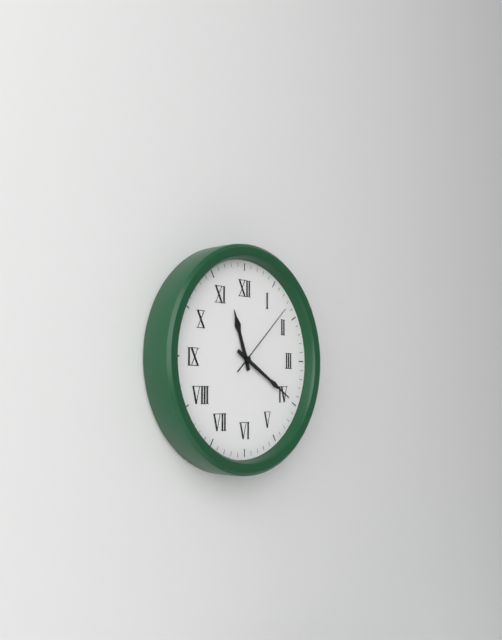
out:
11 h 20 min 08 s
